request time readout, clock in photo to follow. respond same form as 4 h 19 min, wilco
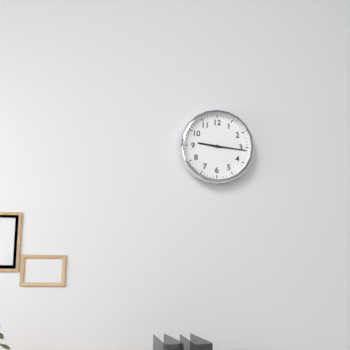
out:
9 h 16 min
